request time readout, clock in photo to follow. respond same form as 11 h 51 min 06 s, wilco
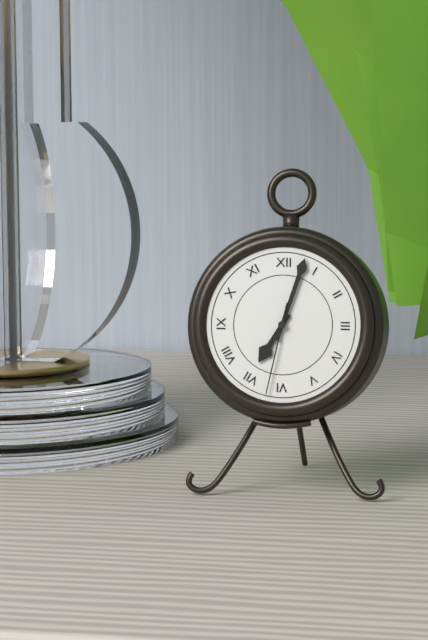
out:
7 h 03 min 32 s
